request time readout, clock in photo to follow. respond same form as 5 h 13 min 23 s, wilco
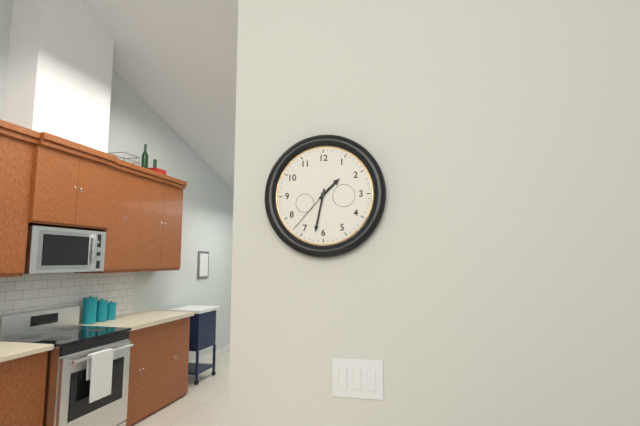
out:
1 h 32 min 37 s
